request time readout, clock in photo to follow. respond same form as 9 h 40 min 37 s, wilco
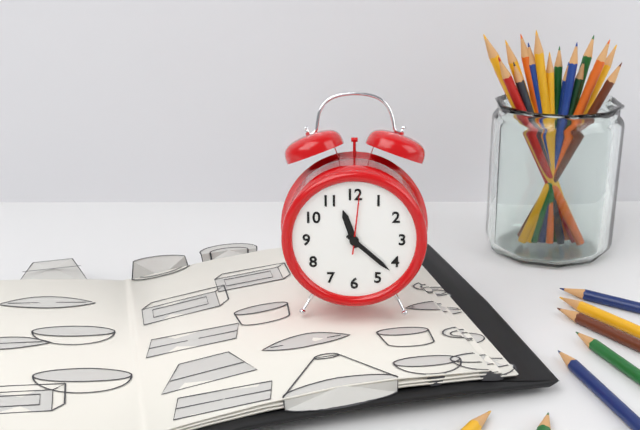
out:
11 h 22 min 01 s
